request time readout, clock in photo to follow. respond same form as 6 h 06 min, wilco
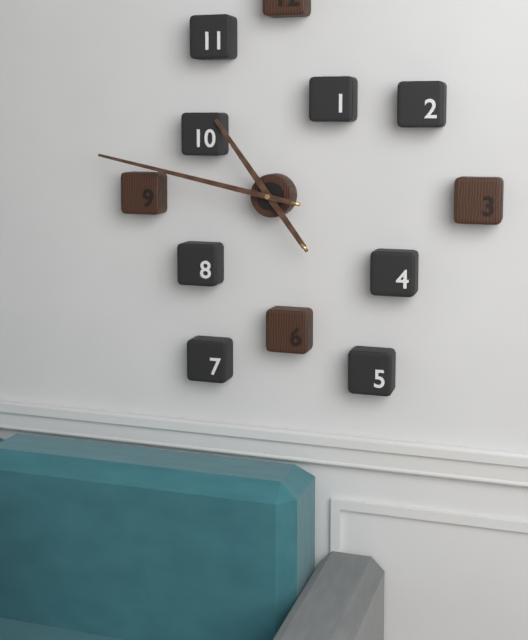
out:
10 h 47 min
